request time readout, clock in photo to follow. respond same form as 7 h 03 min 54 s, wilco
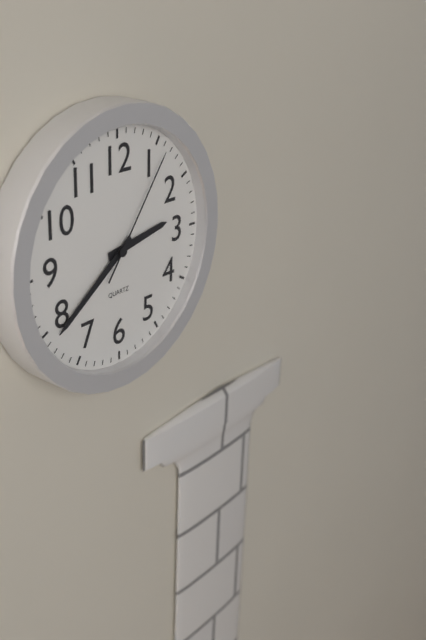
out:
2 h 39 min 06 s
